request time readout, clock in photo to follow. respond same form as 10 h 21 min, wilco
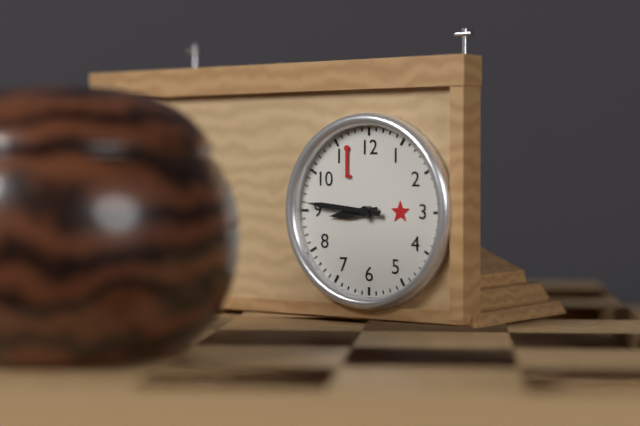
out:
8 h 46 min
